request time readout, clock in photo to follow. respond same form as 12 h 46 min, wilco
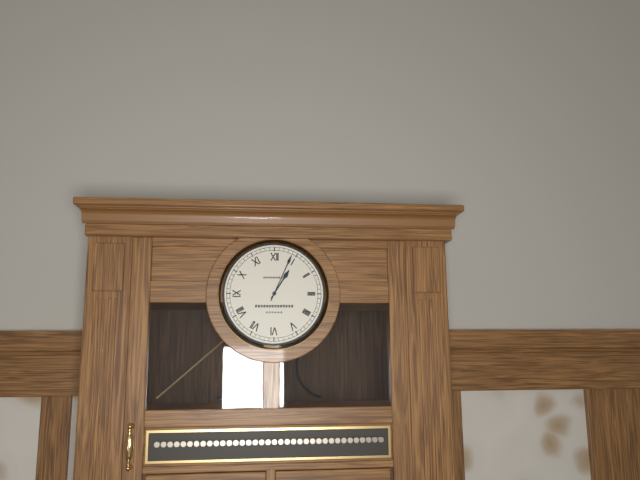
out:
1 h 04 min
